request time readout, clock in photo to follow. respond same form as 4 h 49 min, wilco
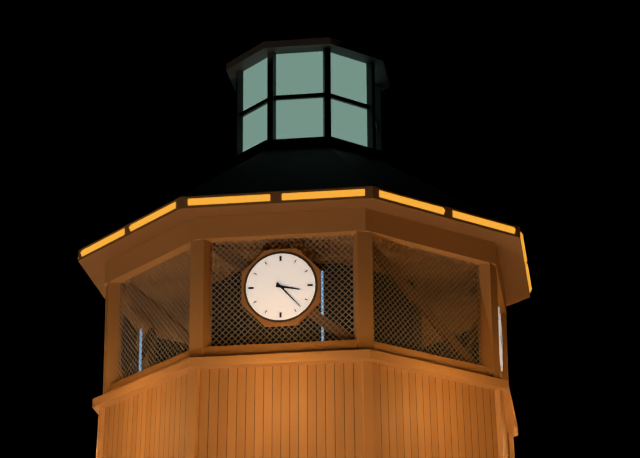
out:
3 h 23 min
